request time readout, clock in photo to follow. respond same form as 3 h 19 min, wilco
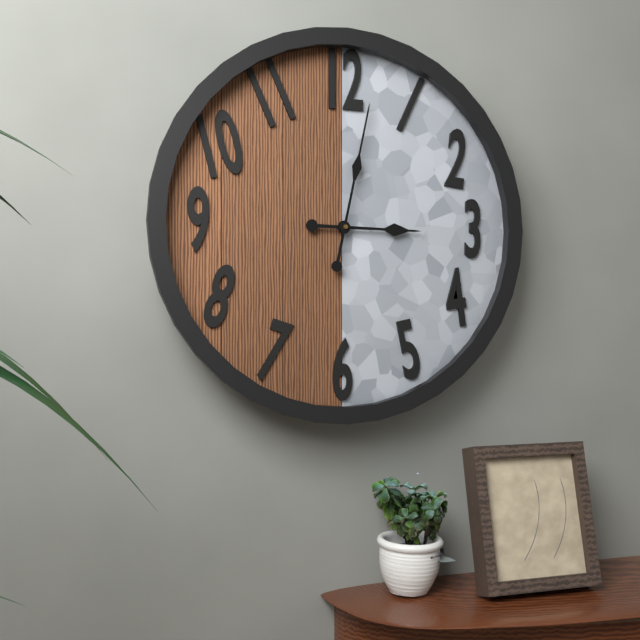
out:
3 h 02 min
